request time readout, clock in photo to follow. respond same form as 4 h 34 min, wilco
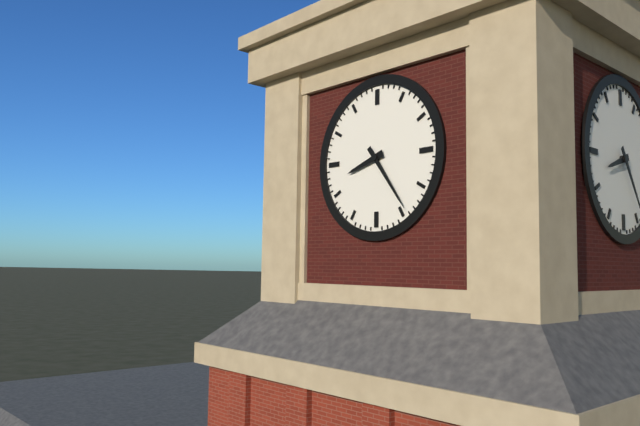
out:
8 h 24 min
